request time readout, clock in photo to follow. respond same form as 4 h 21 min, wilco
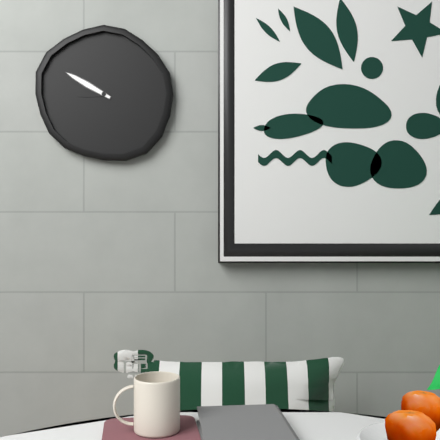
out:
8 h 50 min
